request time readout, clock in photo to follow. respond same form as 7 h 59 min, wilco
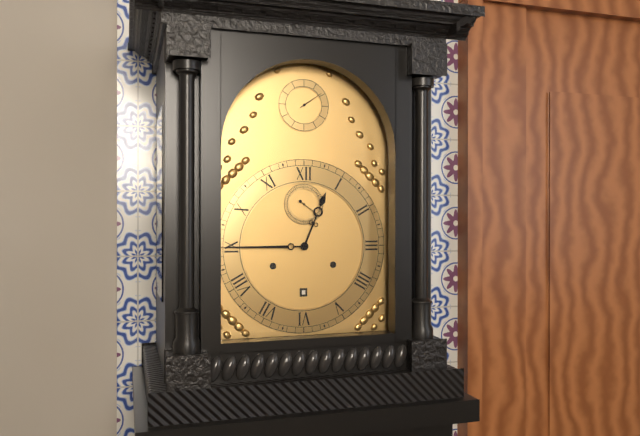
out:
12 h 45 min
